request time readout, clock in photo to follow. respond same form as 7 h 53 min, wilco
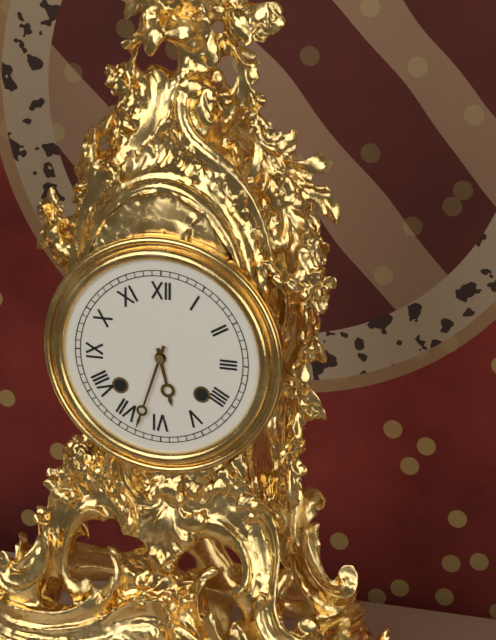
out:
5 h 33 min
